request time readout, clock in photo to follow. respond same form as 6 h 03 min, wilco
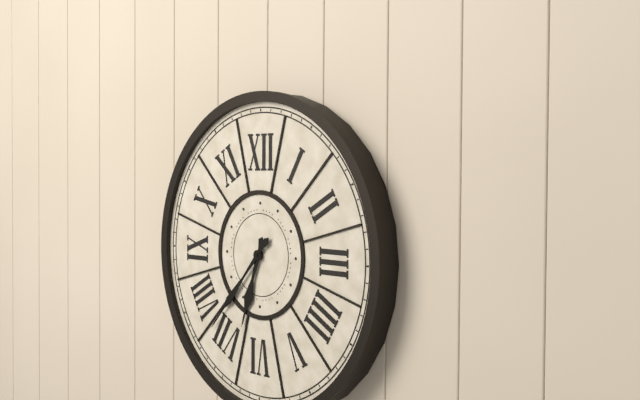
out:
6 h 37 min
